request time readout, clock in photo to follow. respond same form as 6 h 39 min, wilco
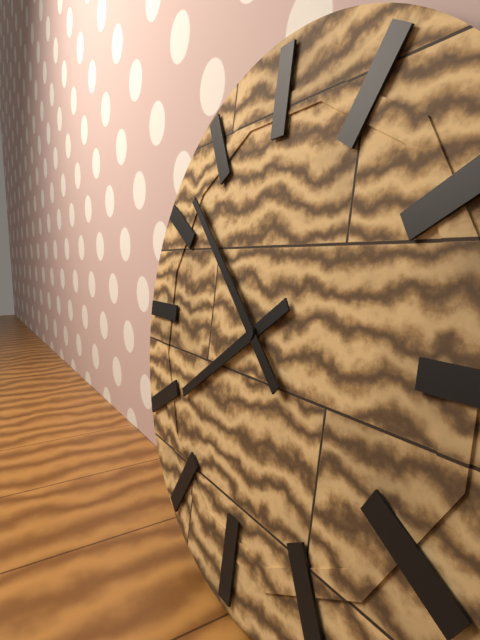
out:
7 h 52 min
